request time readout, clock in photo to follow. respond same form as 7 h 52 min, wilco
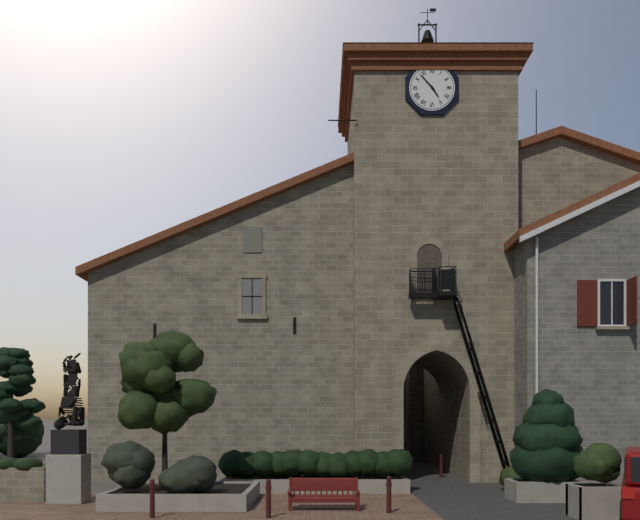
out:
4 h 53 min
